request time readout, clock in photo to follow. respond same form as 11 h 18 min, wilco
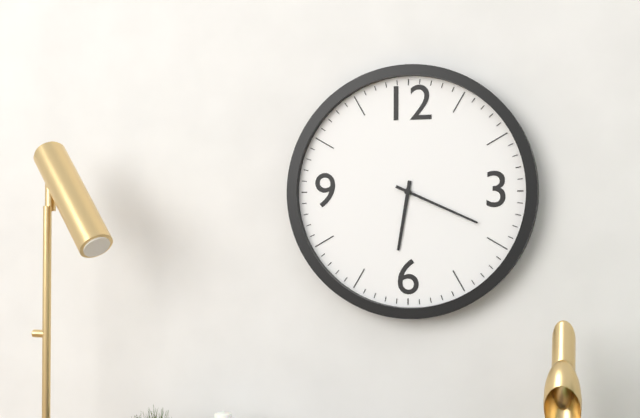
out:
6 h 19 min
